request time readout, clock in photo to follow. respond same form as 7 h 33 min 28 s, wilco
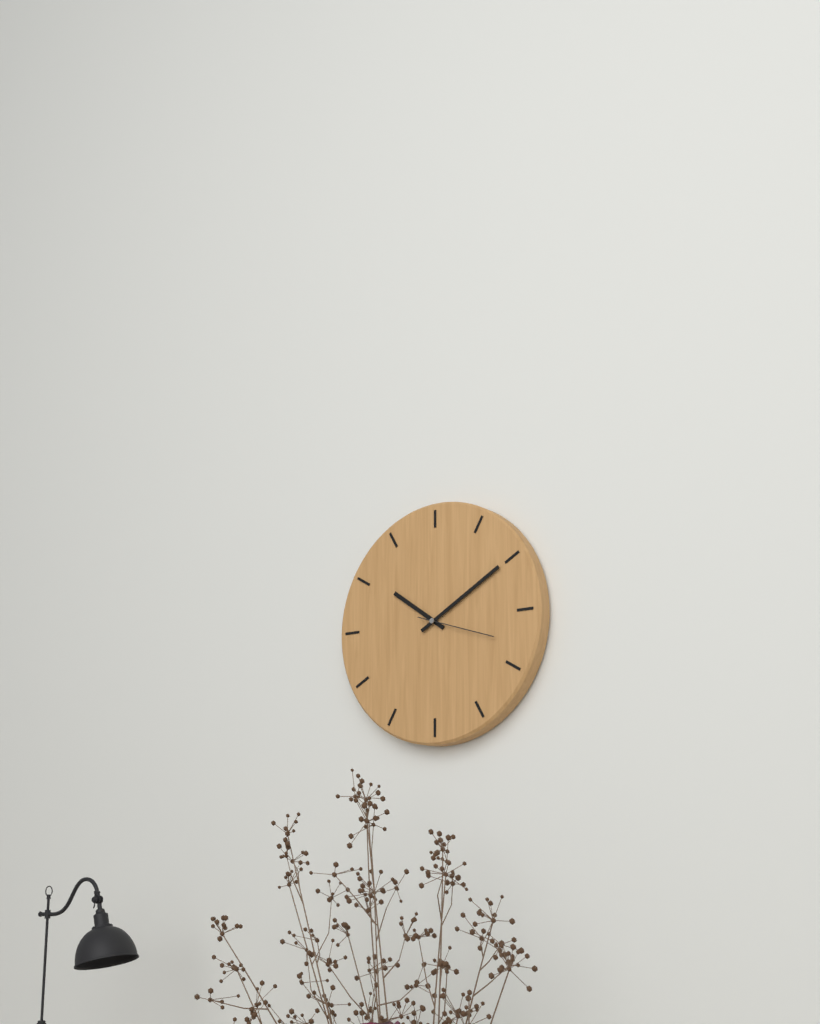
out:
10 h 10 min 18 s
